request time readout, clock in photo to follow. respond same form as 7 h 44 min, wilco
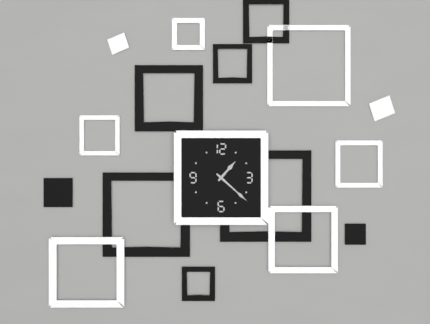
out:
1 h 22 min
